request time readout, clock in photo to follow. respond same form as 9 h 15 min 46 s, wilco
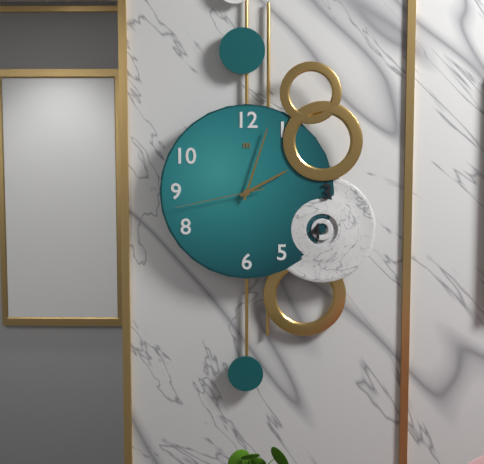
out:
2 h 03 min 43 s
